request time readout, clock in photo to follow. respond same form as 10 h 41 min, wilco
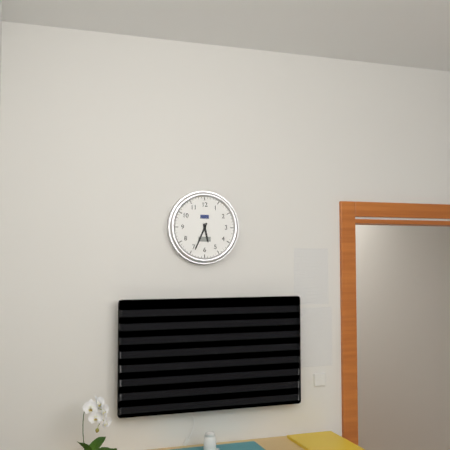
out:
5 h 34 min
